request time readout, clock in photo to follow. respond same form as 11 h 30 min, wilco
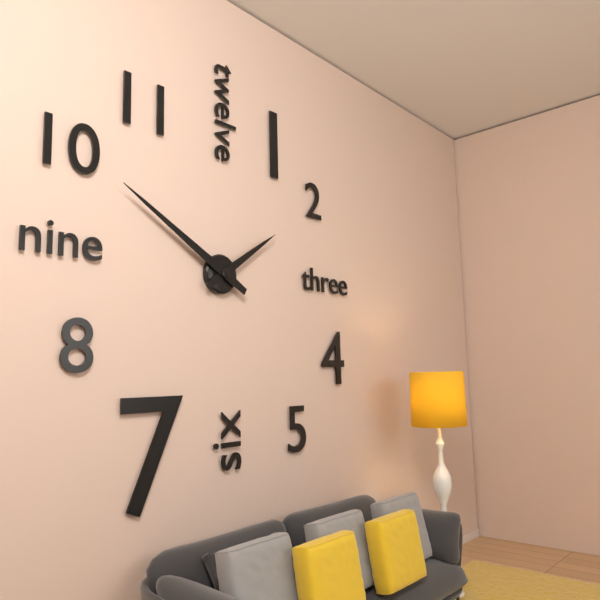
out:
1 h 50 min
